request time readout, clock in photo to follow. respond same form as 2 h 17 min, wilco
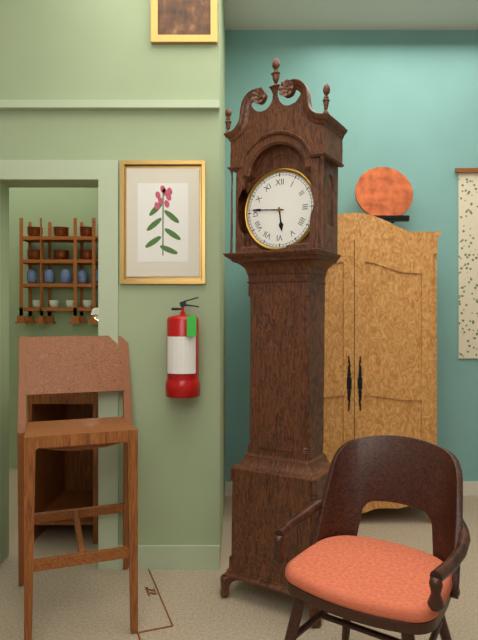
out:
5 h 46 min
